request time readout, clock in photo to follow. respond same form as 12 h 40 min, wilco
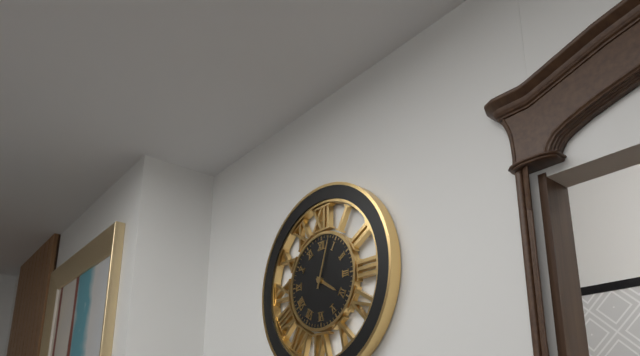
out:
4 h 03 min
